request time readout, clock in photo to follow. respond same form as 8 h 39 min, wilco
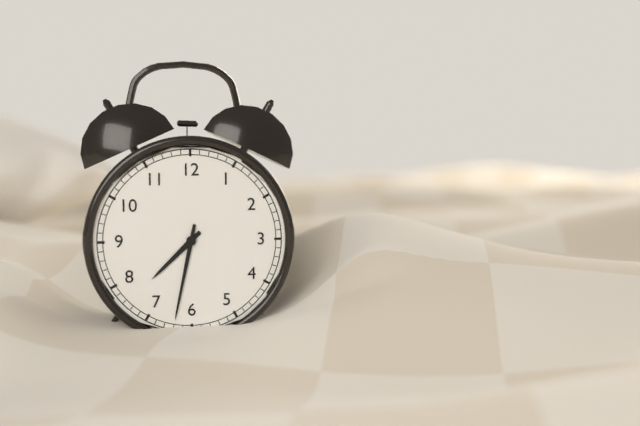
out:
7 h 32 min
